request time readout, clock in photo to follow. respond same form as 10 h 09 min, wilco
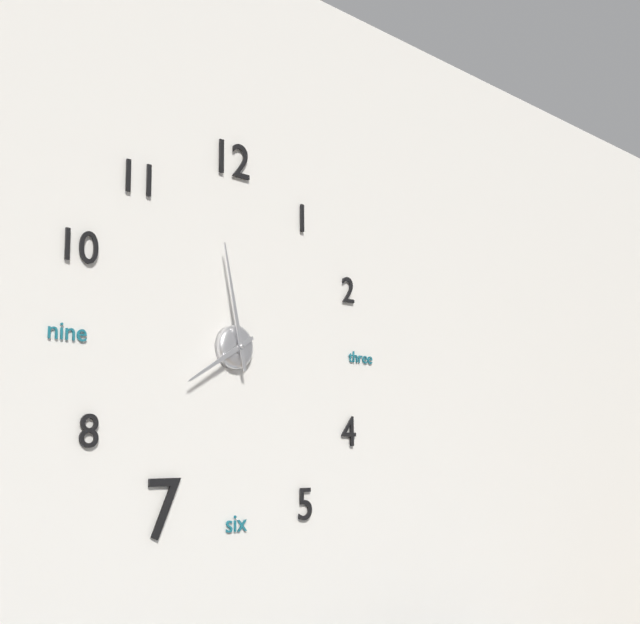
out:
7 h 58 min
